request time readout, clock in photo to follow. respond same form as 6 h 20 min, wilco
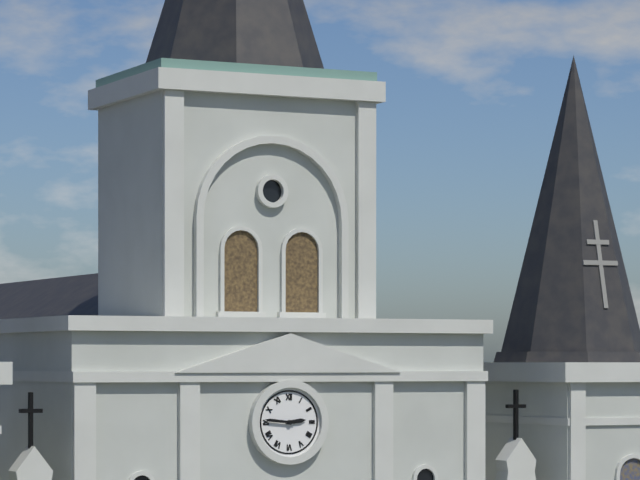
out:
2 h 46 min
